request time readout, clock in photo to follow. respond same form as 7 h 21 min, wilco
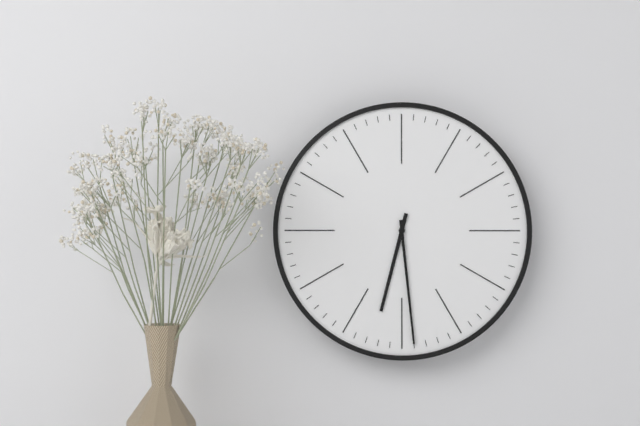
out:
6 h 29 min
